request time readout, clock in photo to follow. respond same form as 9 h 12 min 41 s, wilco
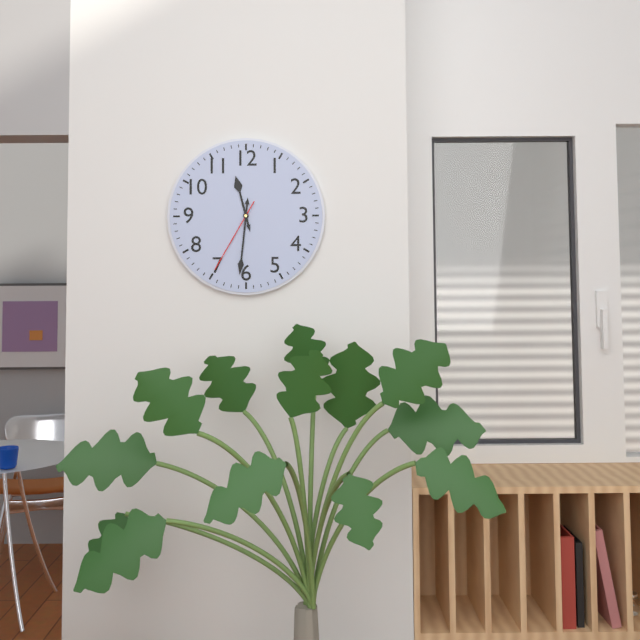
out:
11 h 31 min 35 s
